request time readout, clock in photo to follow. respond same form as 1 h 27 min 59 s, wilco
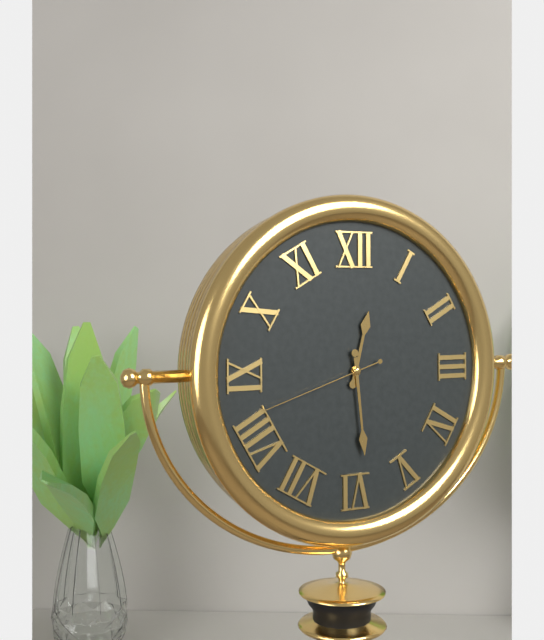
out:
12 h 29 min 42 s
